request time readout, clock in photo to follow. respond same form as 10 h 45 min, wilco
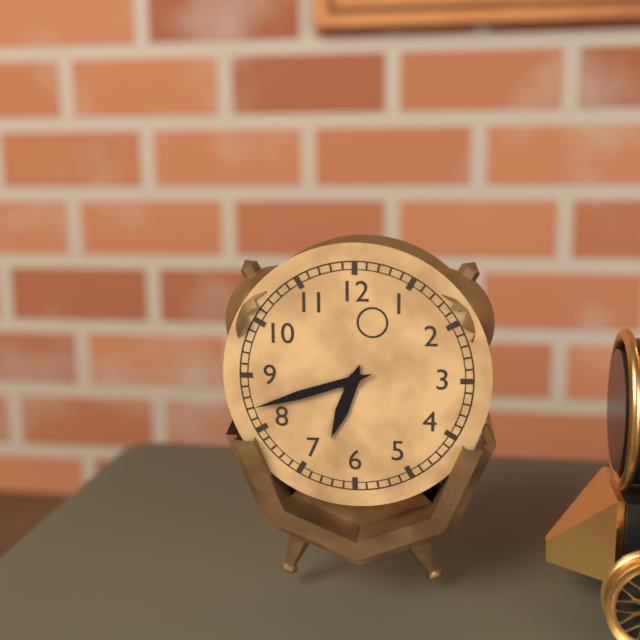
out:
6 h 42 min
